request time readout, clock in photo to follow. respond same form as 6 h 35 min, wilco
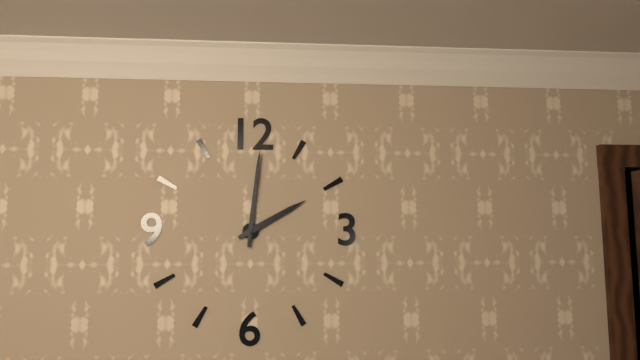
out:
2 h 01 min
